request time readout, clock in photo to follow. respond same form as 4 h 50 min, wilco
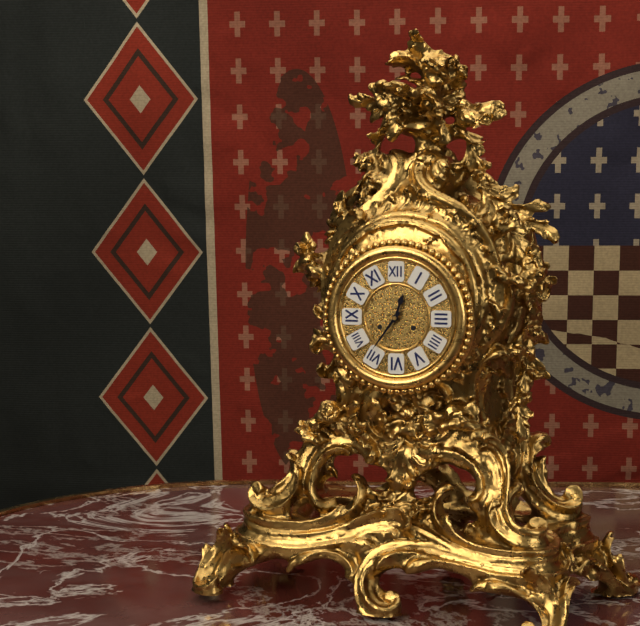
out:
12 h 36 min
